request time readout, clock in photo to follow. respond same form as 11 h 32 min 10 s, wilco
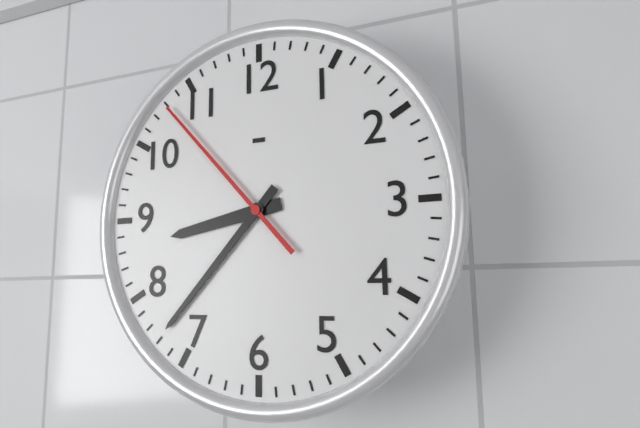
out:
8 h 37 min 53 s
